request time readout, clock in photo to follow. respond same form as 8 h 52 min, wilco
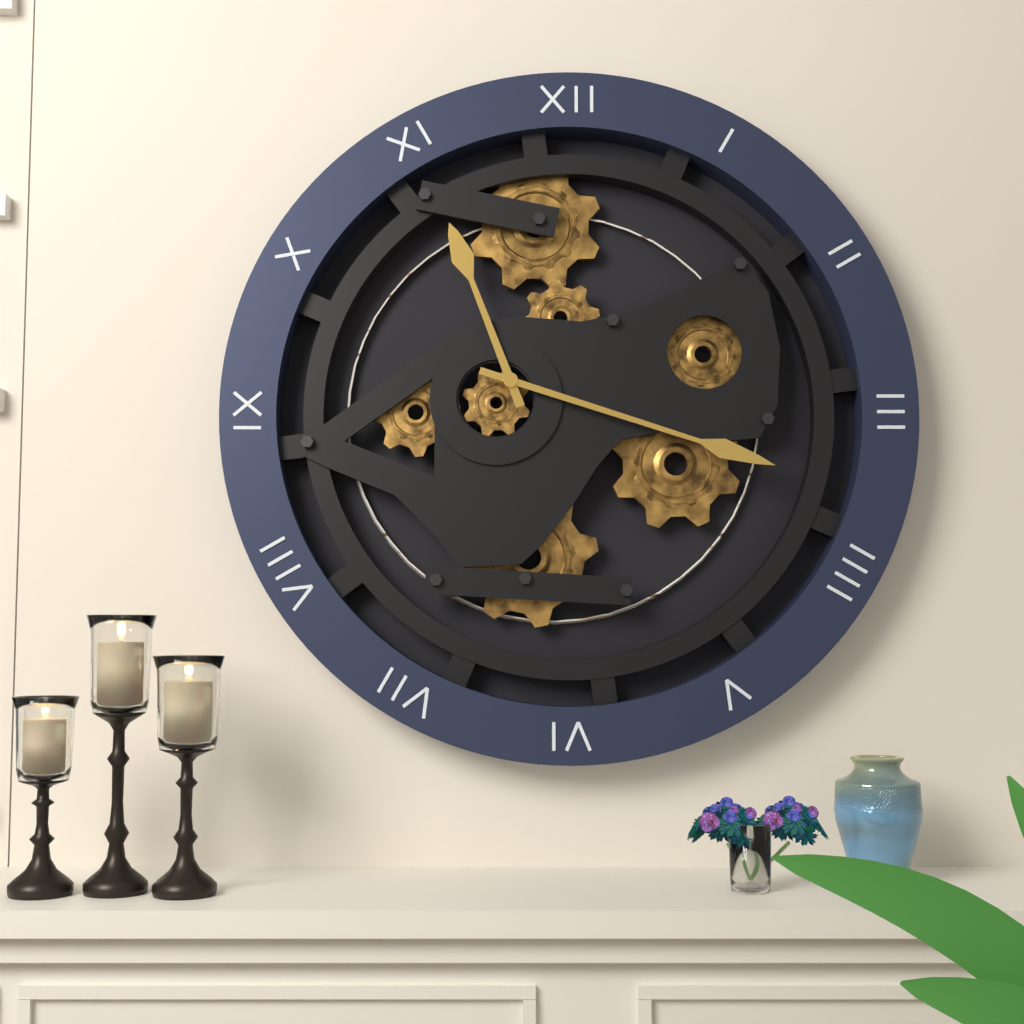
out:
11 h 18 min
